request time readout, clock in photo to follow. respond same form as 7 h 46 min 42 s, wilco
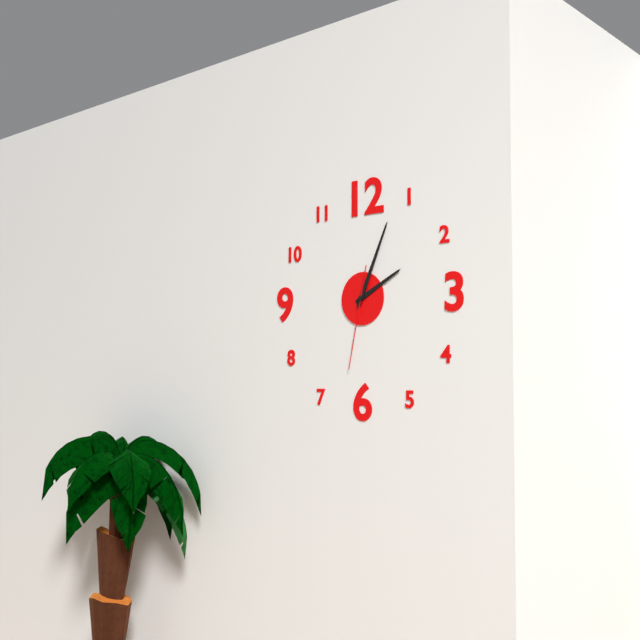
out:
2 h 04 min 32 s
